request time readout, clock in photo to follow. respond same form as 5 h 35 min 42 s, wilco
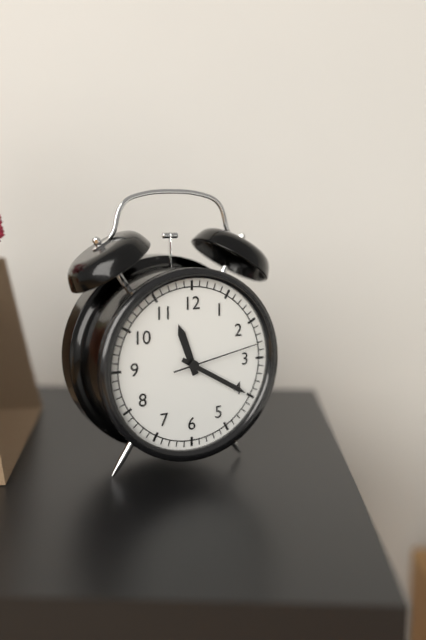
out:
11 h 20 min 13 s
